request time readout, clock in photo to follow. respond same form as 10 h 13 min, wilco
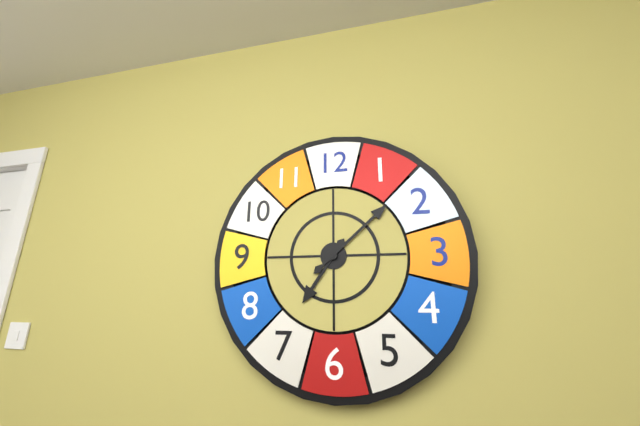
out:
7 h 08 min
